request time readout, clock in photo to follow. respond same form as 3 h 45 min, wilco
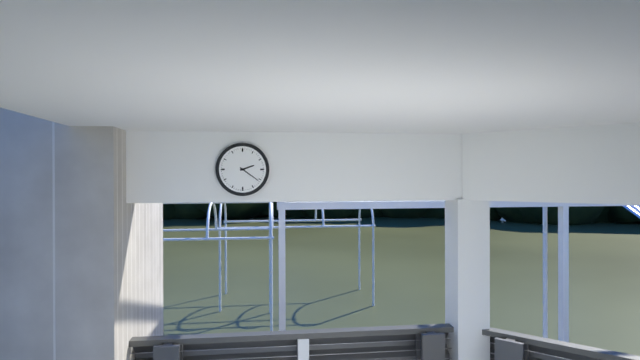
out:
2 h 21 min
